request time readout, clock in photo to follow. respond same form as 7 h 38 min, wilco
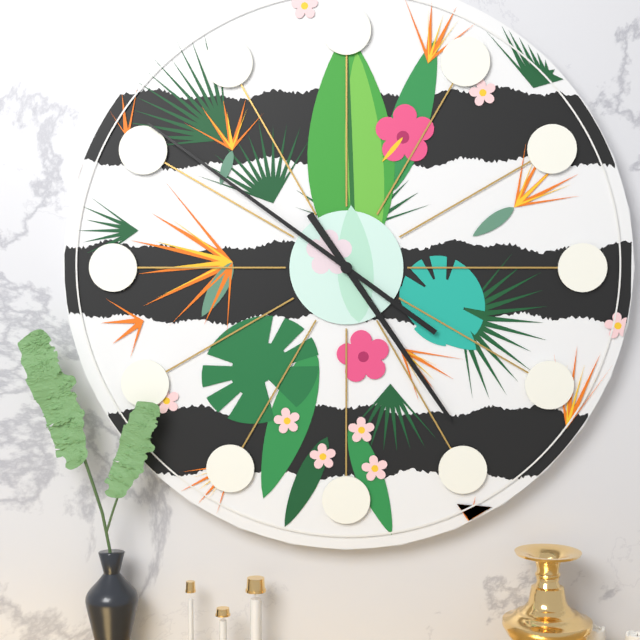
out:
4 h 51 min
